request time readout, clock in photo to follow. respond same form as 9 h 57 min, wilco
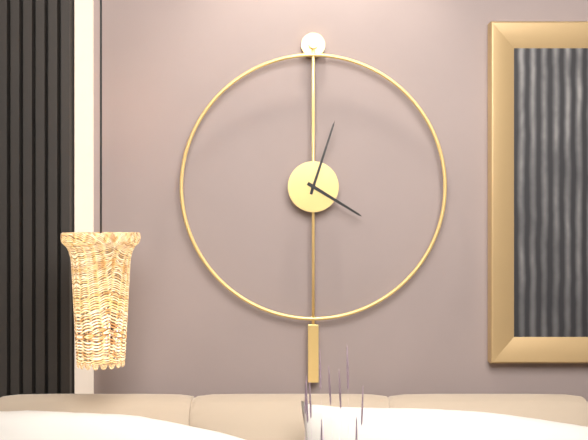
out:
4 h 03 min
